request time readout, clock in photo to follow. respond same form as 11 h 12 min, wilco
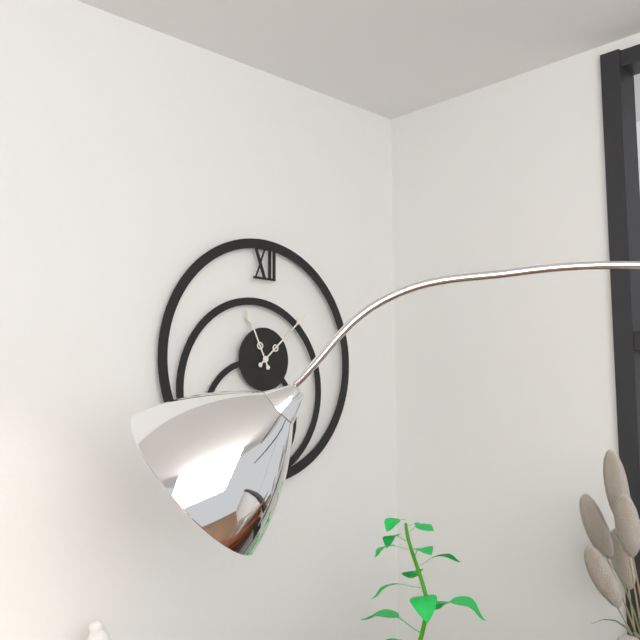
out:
11 h 08 min
